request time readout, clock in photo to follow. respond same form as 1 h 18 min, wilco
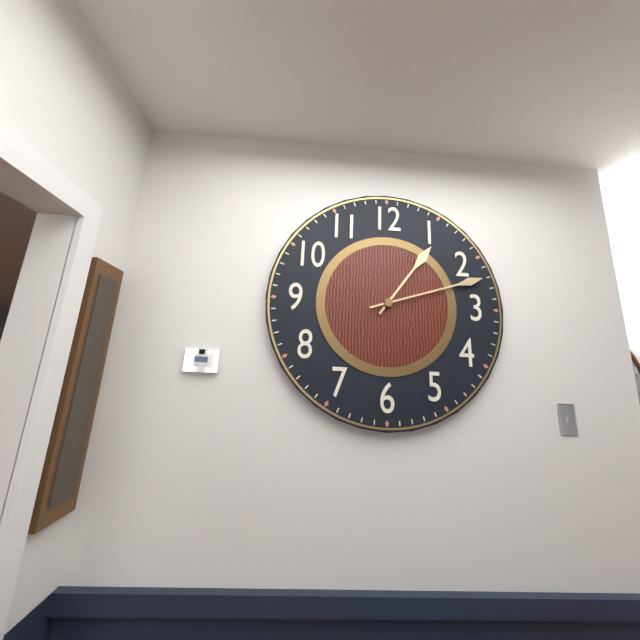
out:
1 h 12 min
